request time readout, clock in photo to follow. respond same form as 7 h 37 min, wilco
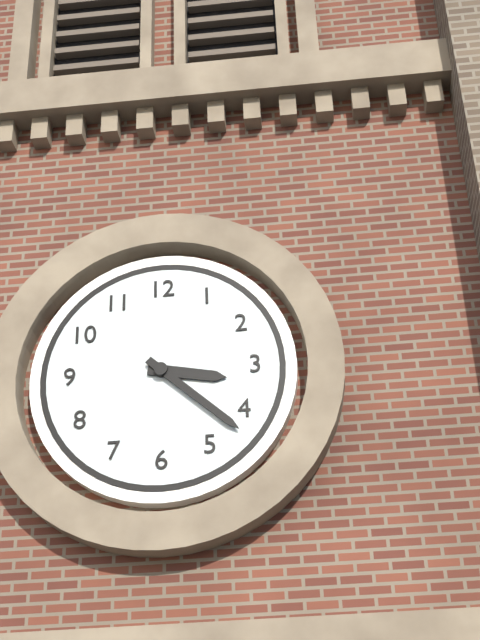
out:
3 h 22 min
